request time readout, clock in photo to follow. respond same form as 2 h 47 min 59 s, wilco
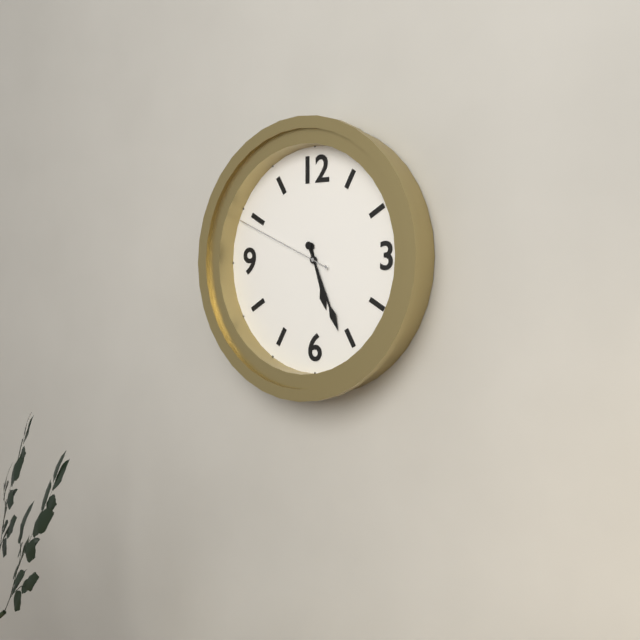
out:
5 h 26 min 49 s
